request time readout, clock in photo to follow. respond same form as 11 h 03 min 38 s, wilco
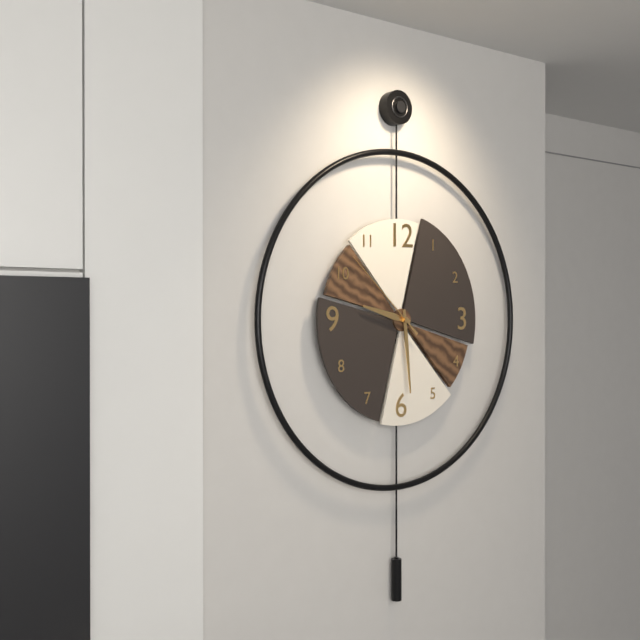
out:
9 h 29 min 52 s
